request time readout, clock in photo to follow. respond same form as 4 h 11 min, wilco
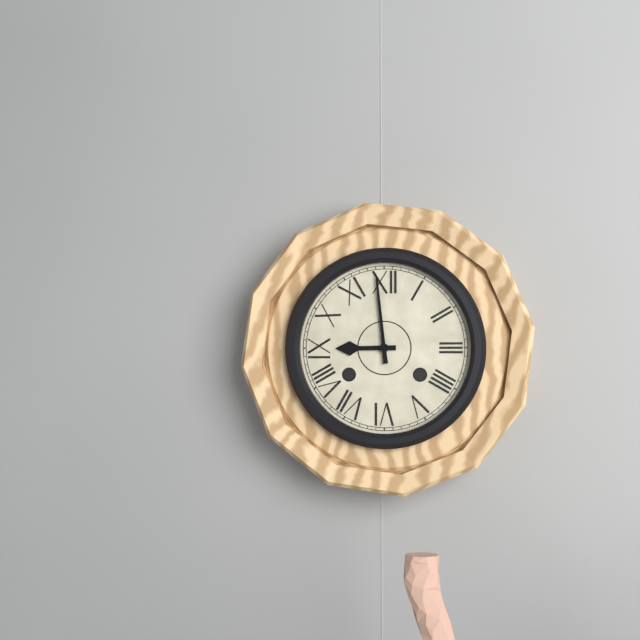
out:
8 h 59 min
